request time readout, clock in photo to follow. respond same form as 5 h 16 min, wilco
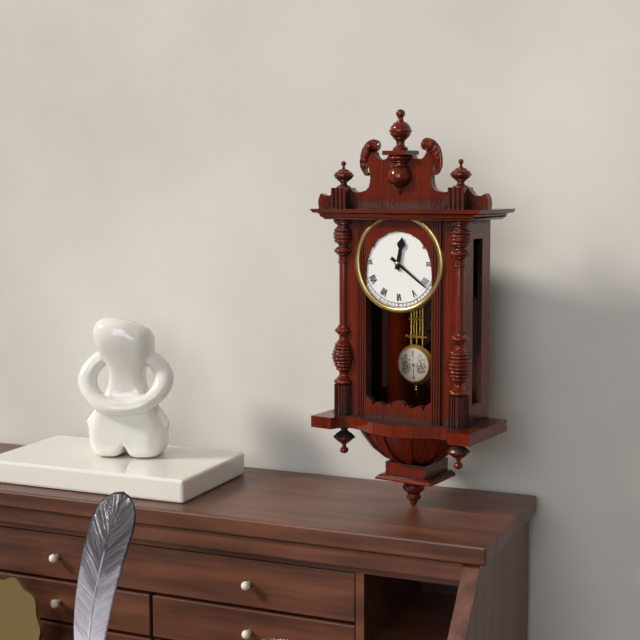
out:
12 h 21 min
